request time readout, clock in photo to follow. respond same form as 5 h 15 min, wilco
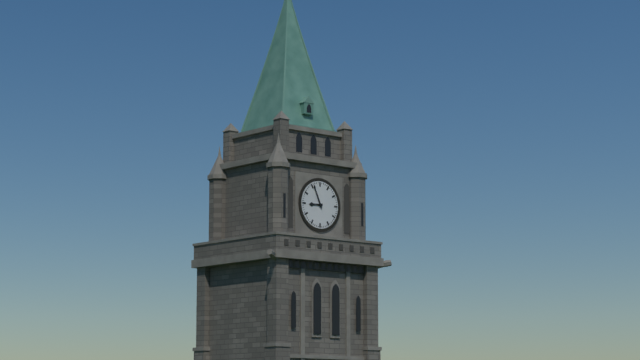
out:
8 h 56 min
